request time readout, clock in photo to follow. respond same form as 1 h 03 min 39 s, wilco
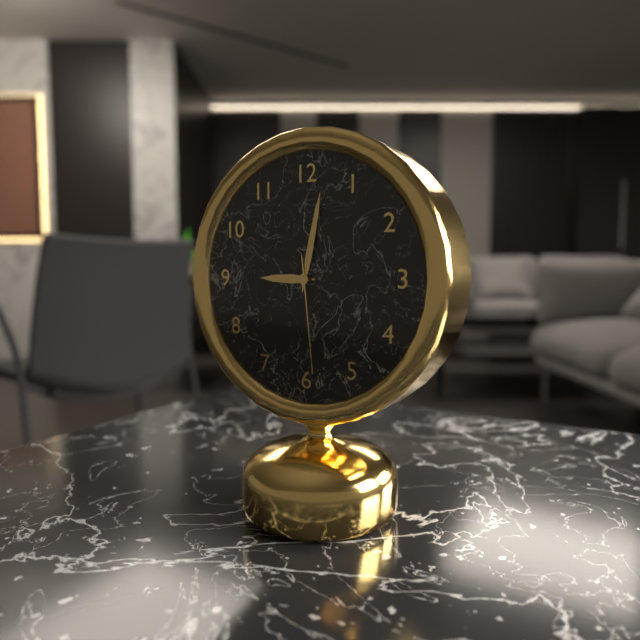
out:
9 h 02 min 29 s
